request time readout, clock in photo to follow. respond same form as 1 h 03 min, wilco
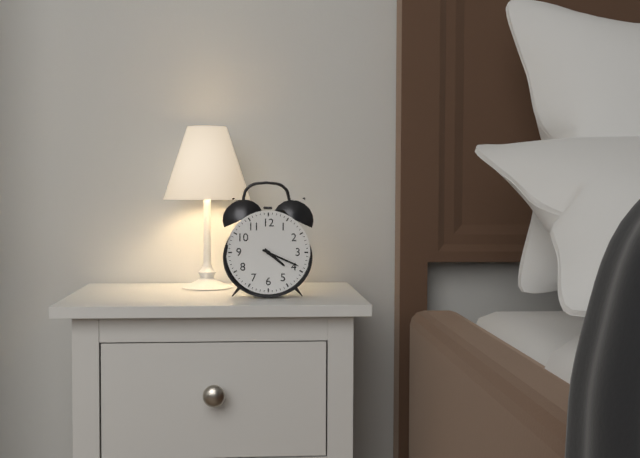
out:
4 h 19 min
